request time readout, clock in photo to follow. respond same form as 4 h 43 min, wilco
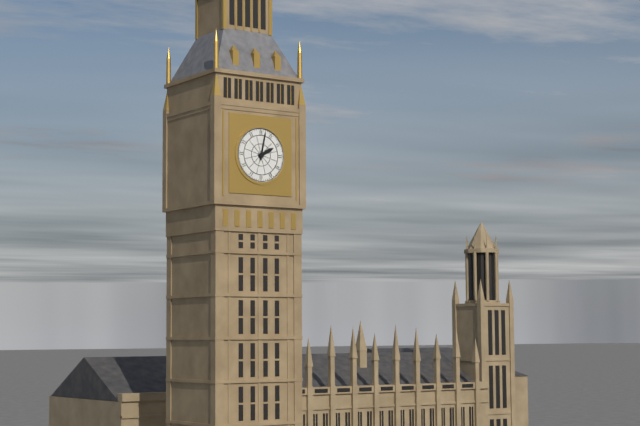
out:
2 h 02 min
